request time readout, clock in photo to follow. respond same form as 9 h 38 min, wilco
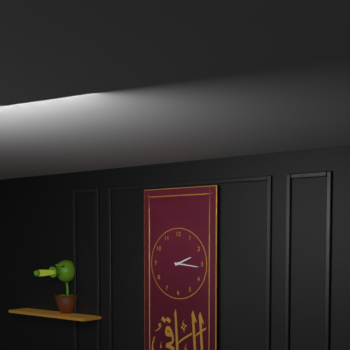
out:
2 h 16 min
